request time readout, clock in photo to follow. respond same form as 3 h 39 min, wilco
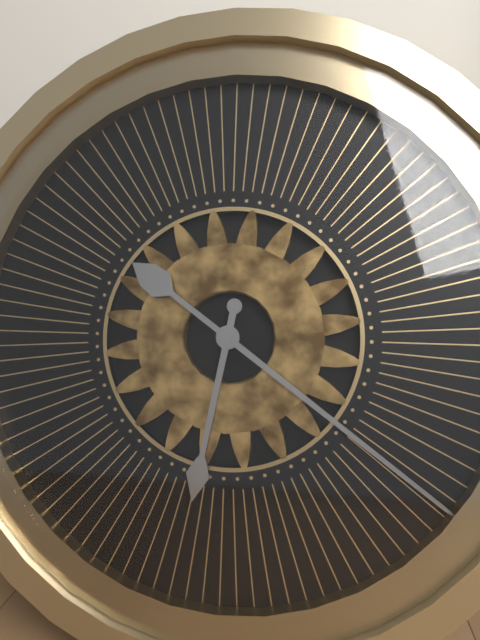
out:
6 h 21 min
